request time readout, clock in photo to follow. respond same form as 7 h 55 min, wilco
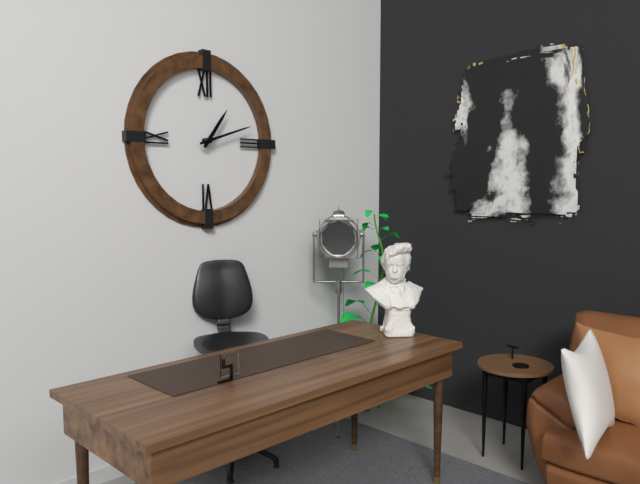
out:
1 h 12 min
